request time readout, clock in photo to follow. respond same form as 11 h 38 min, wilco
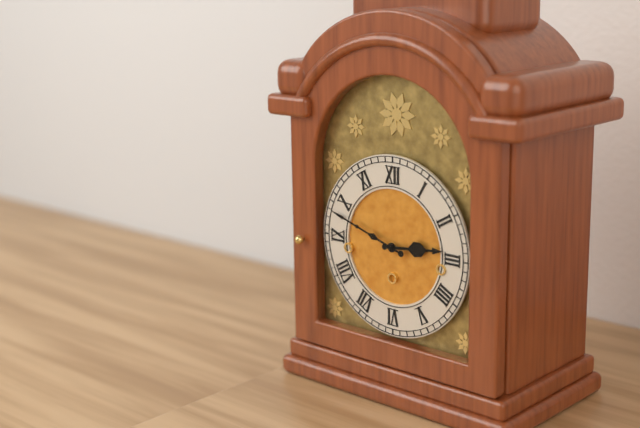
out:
2 h 48 min
